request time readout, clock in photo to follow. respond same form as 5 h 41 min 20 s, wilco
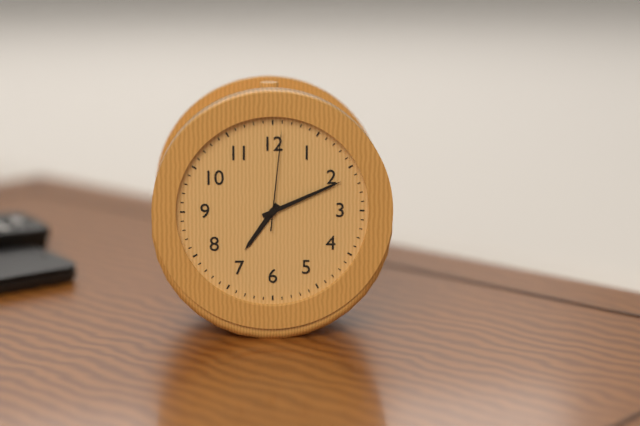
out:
7 h 11 min 01 s
